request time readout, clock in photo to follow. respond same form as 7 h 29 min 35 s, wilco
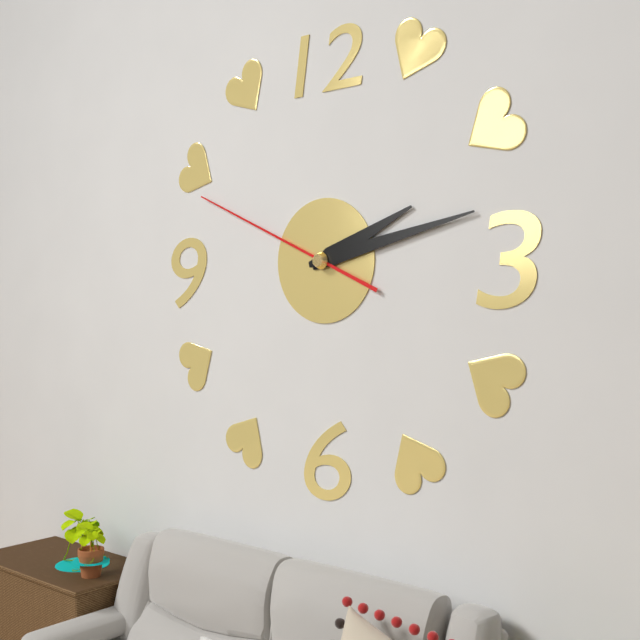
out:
2 h 13 min 49 s
